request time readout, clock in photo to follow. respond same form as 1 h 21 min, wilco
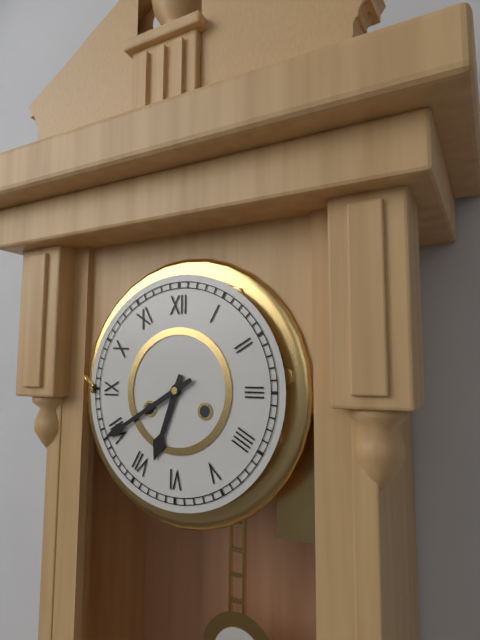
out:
6 h 40 min
